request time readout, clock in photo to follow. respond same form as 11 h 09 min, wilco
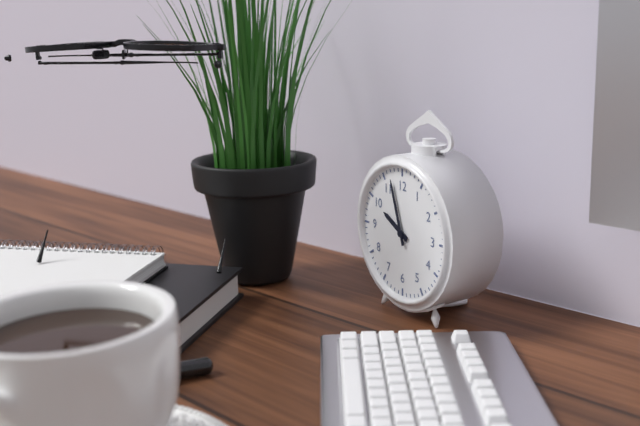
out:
9 h 57 min
